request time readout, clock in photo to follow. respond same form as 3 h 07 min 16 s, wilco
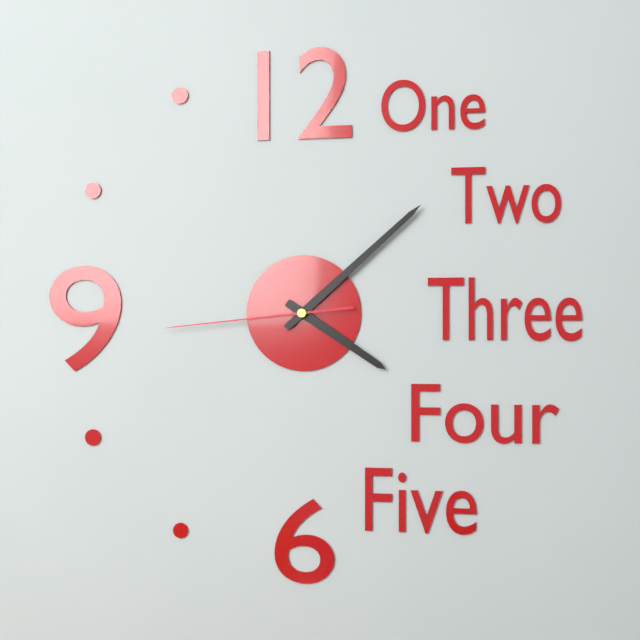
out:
4 h 08 min 44 s
